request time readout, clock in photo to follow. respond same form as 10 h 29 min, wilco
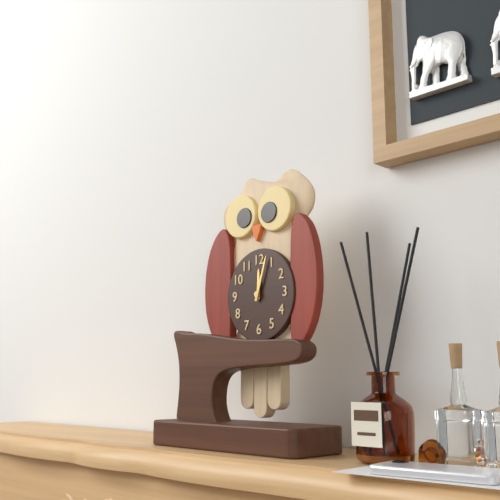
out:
12 h 03 min
